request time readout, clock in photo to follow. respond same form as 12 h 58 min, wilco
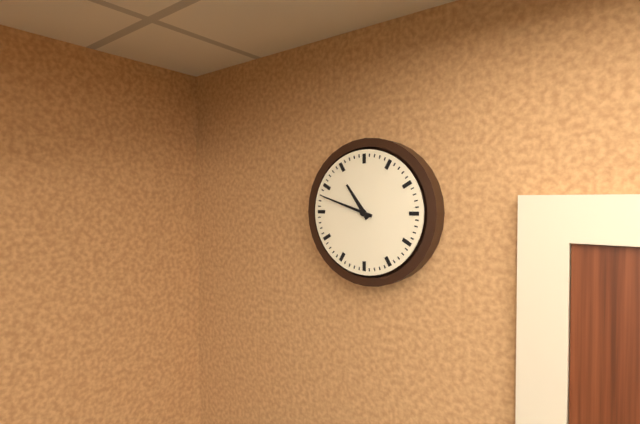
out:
10 h 48 min
